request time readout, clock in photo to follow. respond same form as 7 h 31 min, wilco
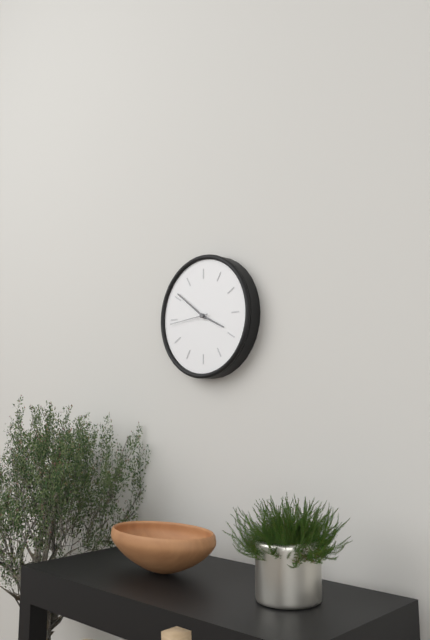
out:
3 h 51 min
